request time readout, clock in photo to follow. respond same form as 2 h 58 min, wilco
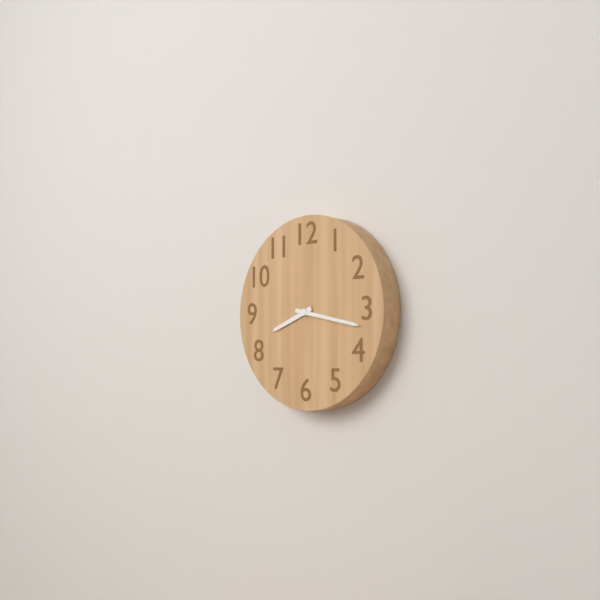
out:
8 h 17 min
